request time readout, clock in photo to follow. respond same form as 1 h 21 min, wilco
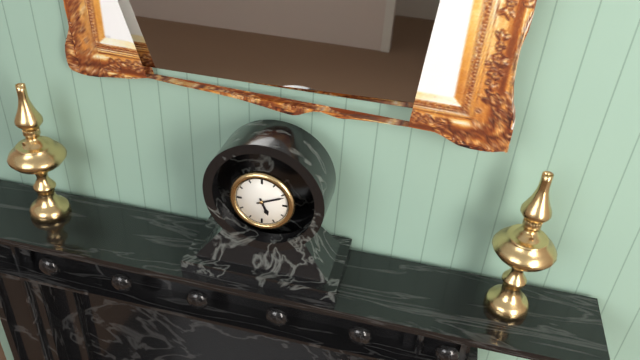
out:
5 h 11 min
